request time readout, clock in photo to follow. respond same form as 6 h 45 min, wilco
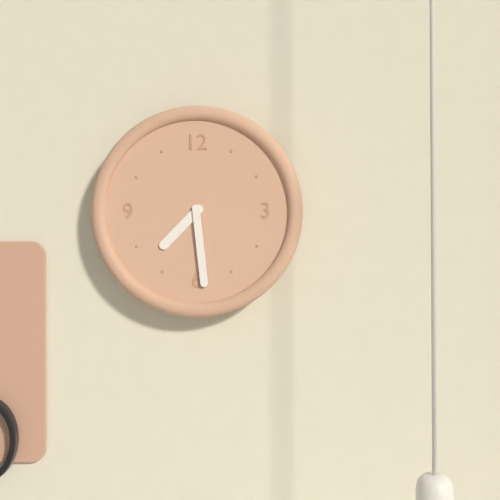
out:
7 h 29 min
